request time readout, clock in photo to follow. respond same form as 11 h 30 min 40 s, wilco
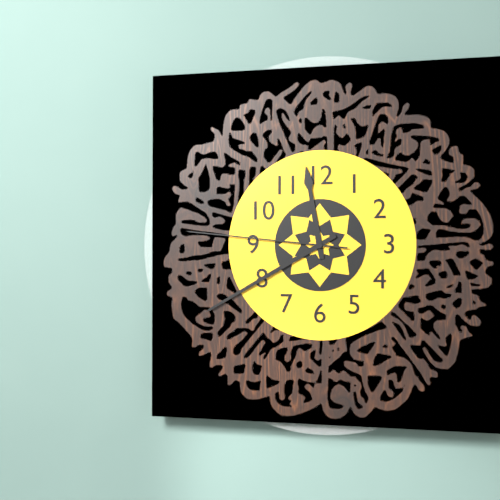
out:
11 h 40 min 46 s
